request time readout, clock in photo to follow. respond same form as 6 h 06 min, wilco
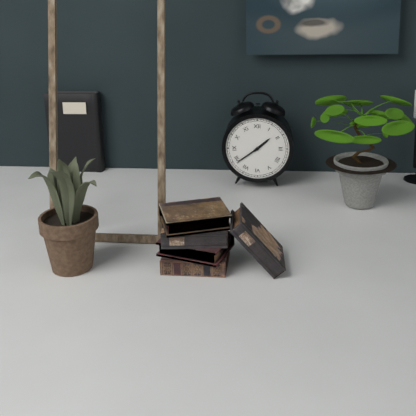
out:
1 h 39 min
